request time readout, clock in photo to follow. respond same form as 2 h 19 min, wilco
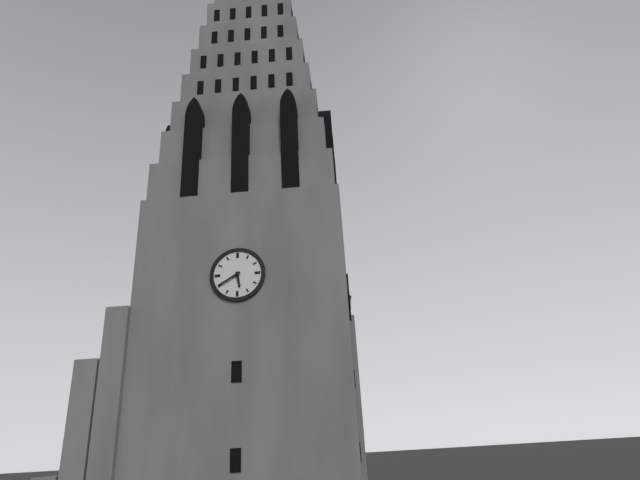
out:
5 h 40 min
